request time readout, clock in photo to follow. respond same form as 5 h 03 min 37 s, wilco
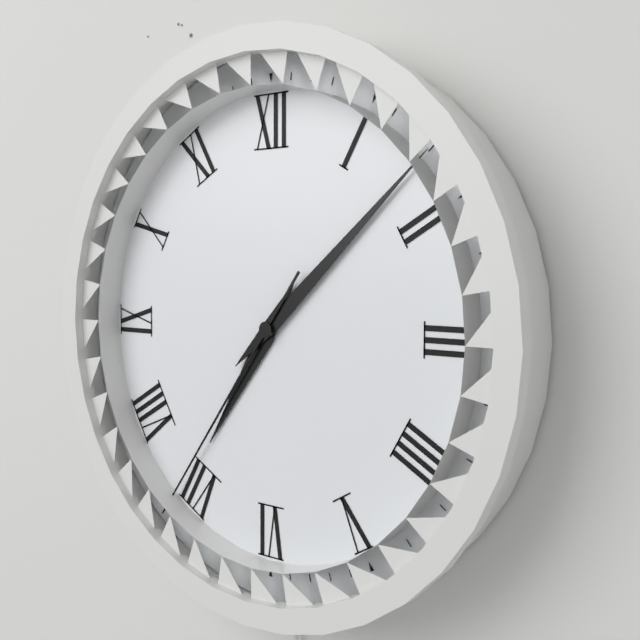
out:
7 h 08 min 36 s
